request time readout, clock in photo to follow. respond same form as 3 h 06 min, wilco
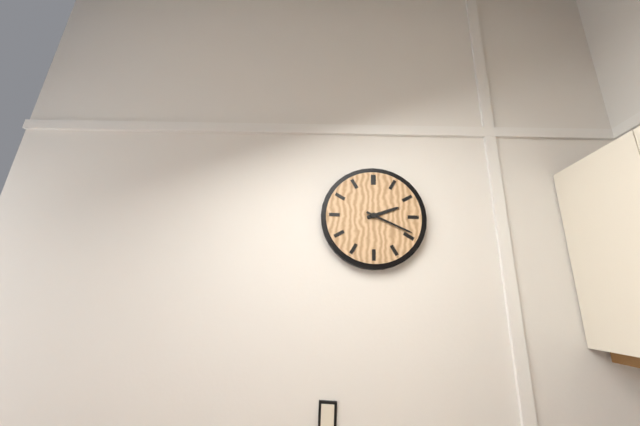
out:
2 h 19 min
